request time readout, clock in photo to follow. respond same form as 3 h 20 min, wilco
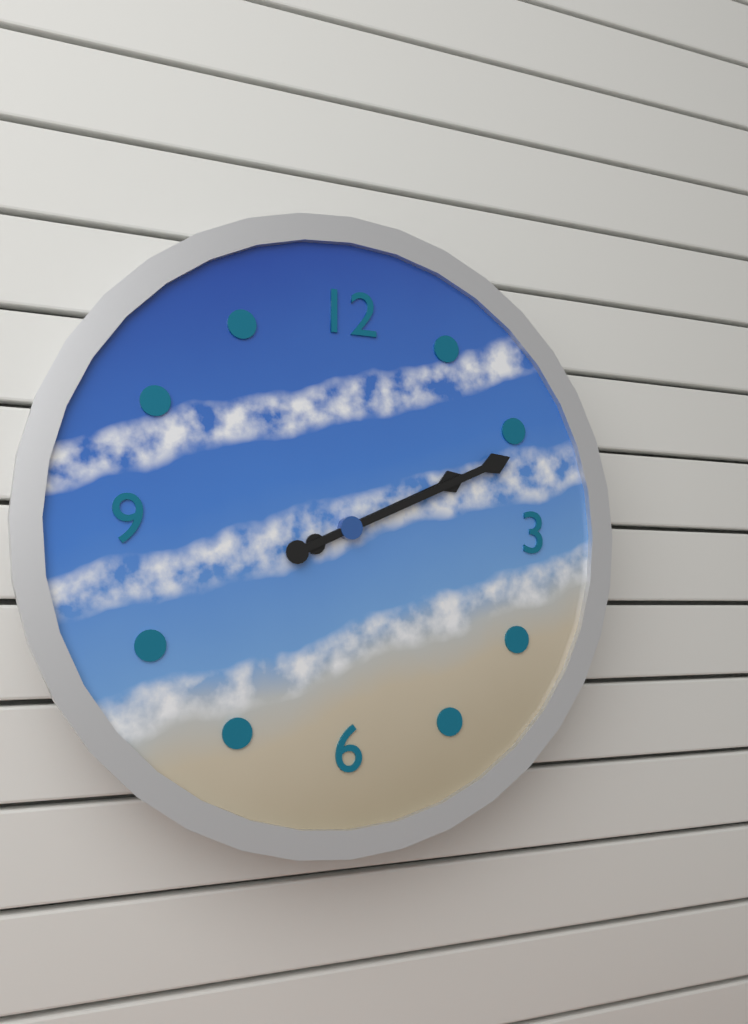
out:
2 h 11 min
